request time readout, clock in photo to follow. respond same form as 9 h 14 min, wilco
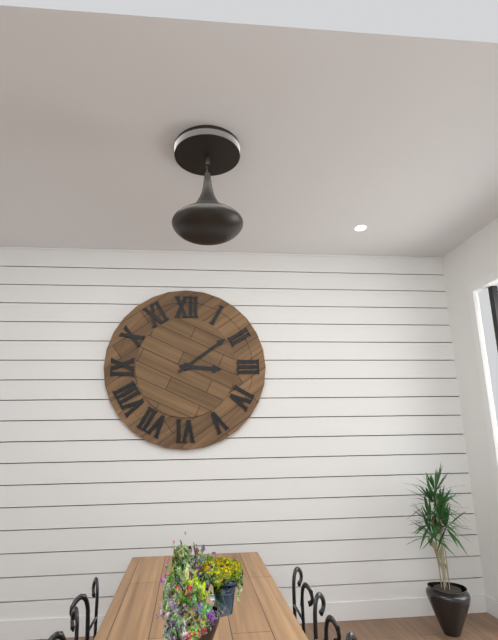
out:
3 h 09 min
